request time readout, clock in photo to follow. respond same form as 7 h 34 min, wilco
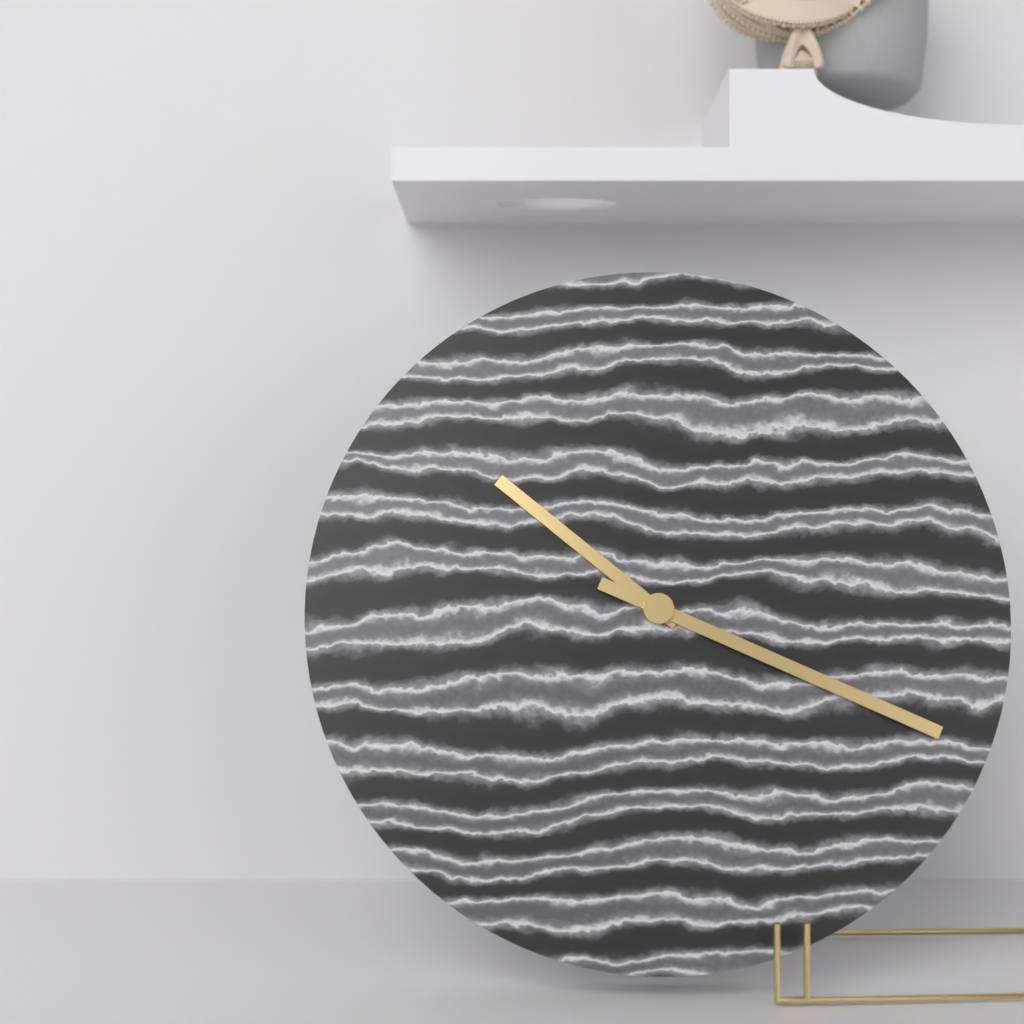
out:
10 h 19 min
